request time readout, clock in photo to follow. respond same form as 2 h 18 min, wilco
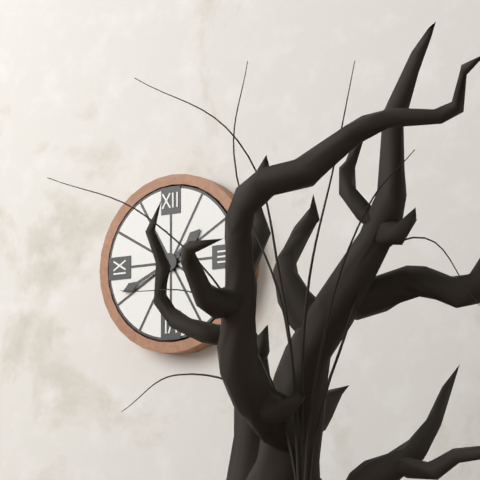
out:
1 h 41 min
